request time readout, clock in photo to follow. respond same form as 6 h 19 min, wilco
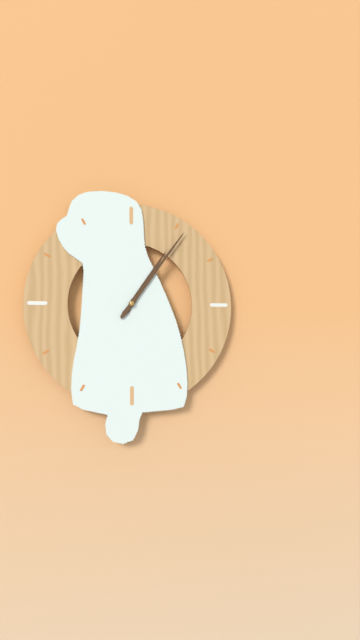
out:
1 h 06 min
